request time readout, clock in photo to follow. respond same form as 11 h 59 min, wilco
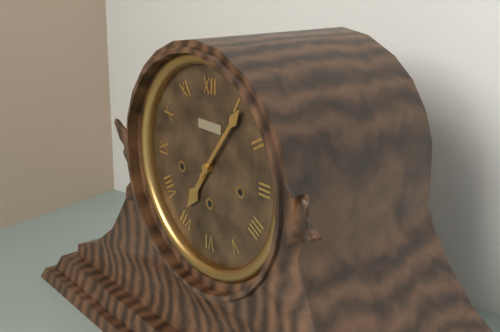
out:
7 h 06 min
